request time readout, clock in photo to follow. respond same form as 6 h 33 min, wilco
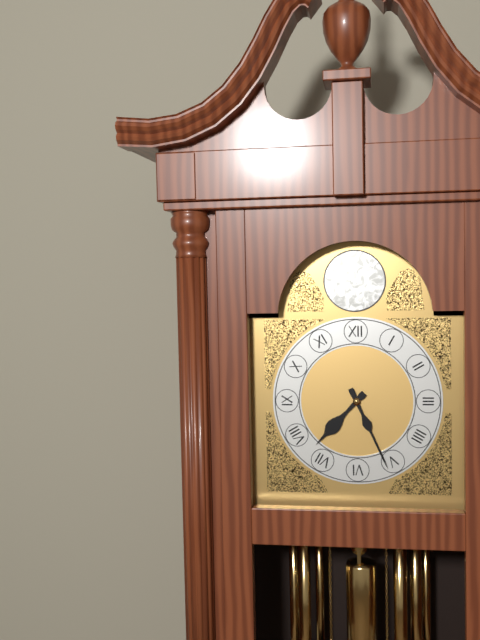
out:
7 h 26 min
